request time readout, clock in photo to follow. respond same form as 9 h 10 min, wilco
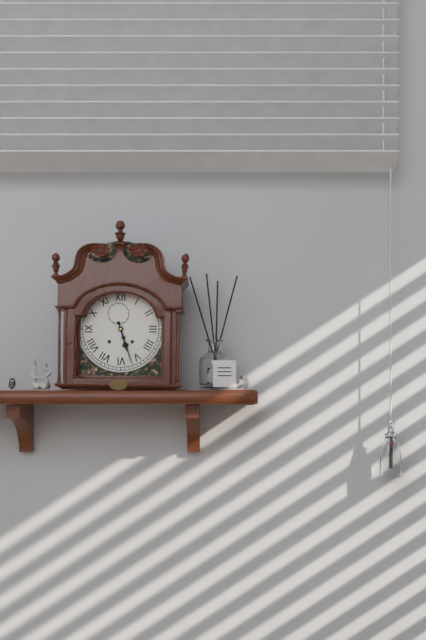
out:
5 h 27 min
